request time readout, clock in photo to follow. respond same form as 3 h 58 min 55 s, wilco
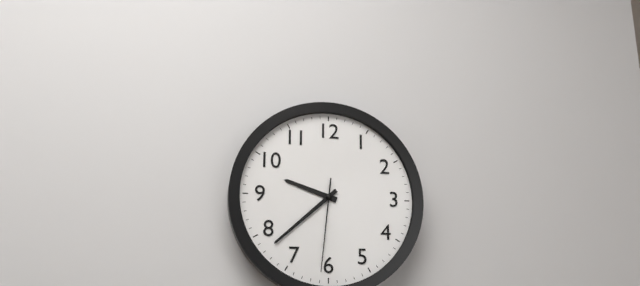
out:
9 h 38 min 31 s
